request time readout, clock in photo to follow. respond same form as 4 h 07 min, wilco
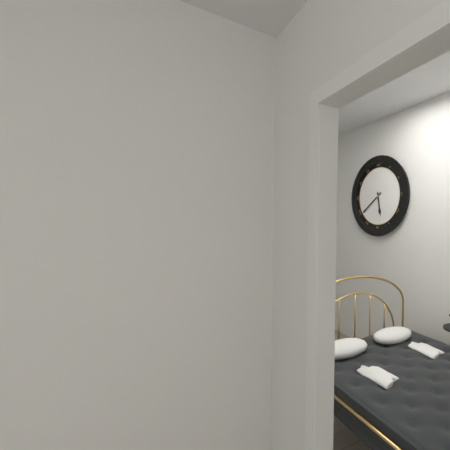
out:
5 h 39 min
